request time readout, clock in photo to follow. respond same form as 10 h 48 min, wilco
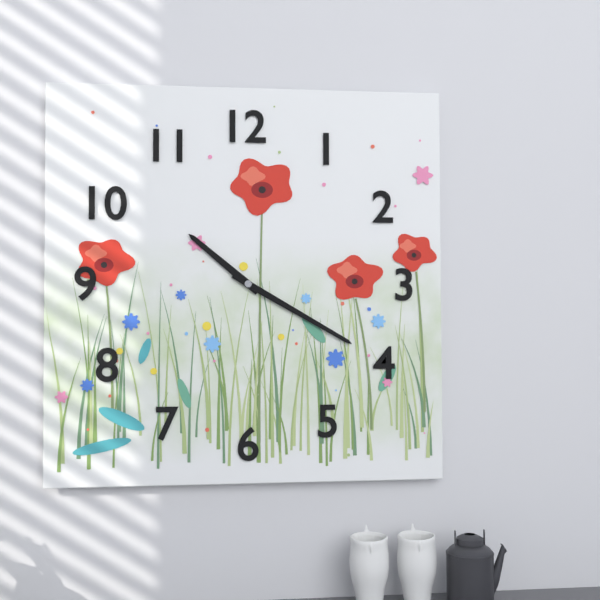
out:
10 h 20 min
